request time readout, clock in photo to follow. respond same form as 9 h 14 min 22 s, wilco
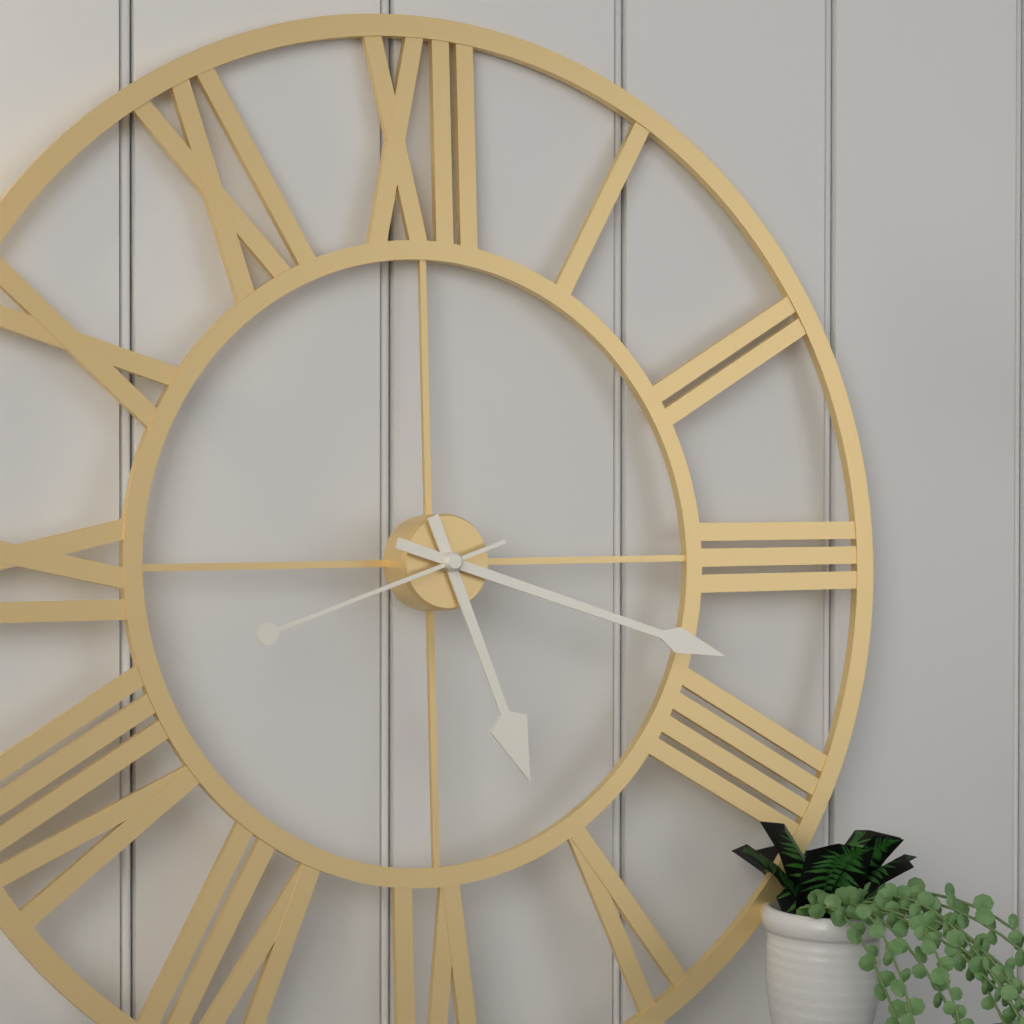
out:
5 h 18 min 42 s
